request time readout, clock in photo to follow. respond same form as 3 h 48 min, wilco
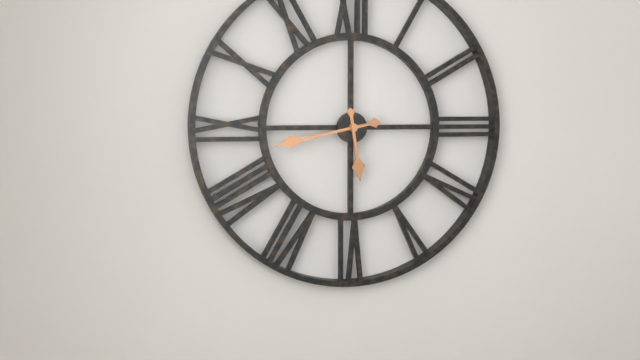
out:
5 h 43 min
